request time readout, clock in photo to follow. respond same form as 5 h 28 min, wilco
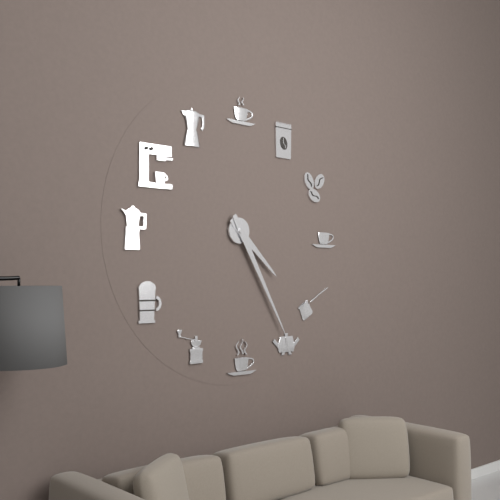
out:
4 h 25 min
